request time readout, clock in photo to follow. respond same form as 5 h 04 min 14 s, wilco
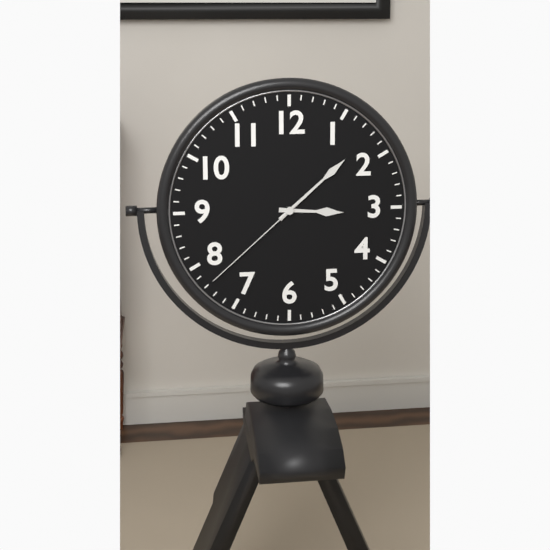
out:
3 h 08 min 38 s
